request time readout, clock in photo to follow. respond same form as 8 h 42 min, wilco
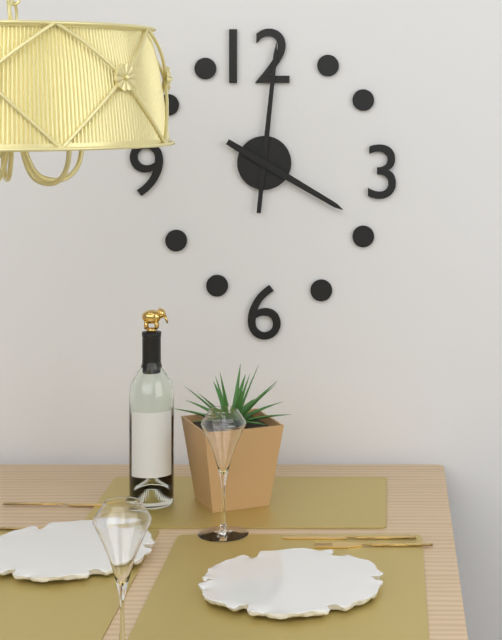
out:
4 h 01 min
